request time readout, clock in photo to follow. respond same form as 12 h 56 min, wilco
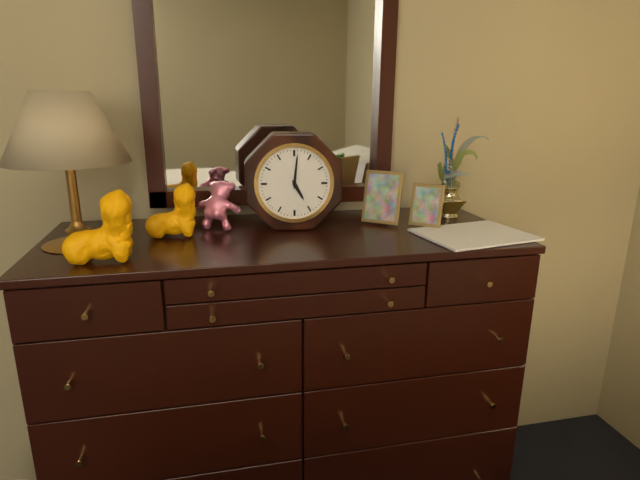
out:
5 h 01 min
